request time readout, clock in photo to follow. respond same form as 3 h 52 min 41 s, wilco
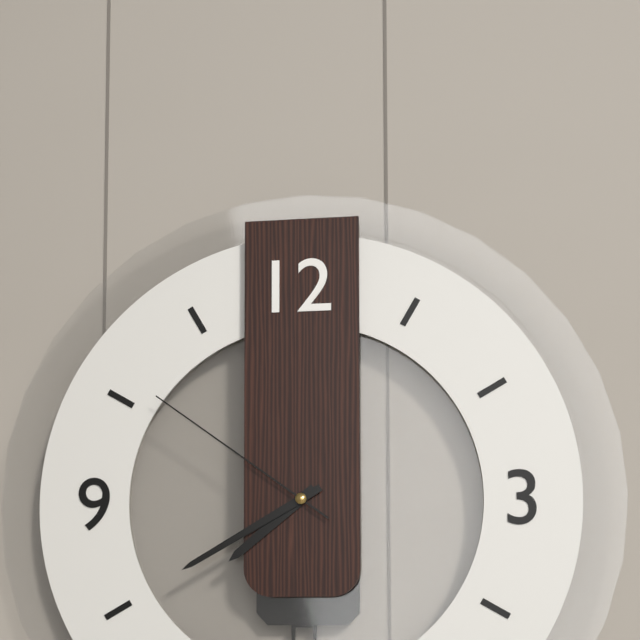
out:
7 h 40 min 51 s
